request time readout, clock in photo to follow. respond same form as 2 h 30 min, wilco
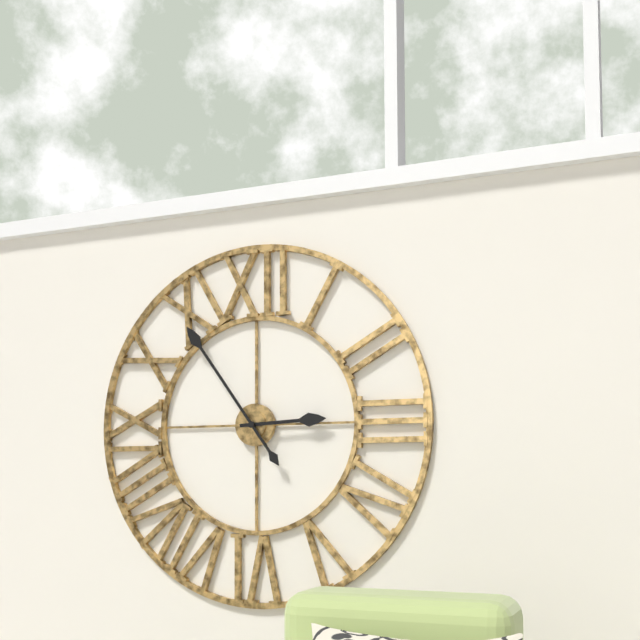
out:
2 h 54 min
